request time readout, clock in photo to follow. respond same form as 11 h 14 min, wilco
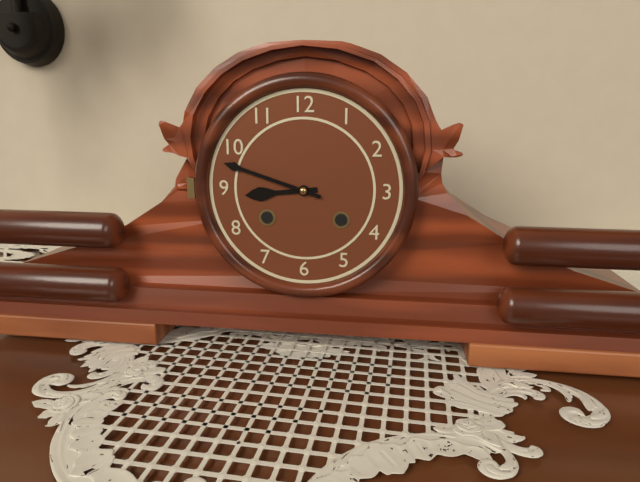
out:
8 h 48 min
